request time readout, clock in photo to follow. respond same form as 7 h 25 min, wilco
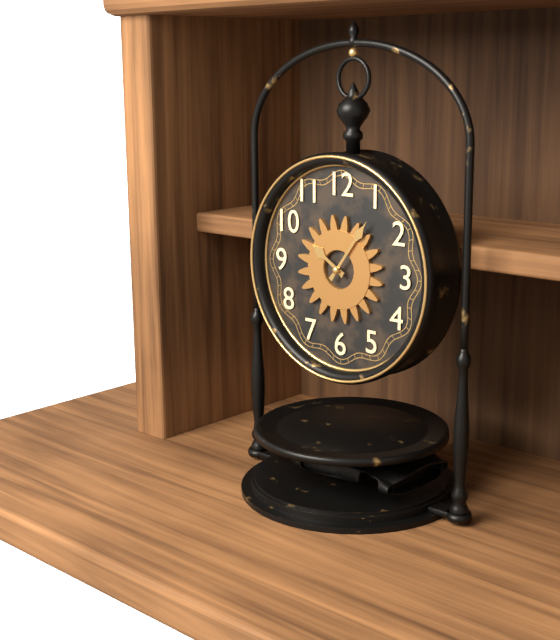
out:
10 h 06 min
